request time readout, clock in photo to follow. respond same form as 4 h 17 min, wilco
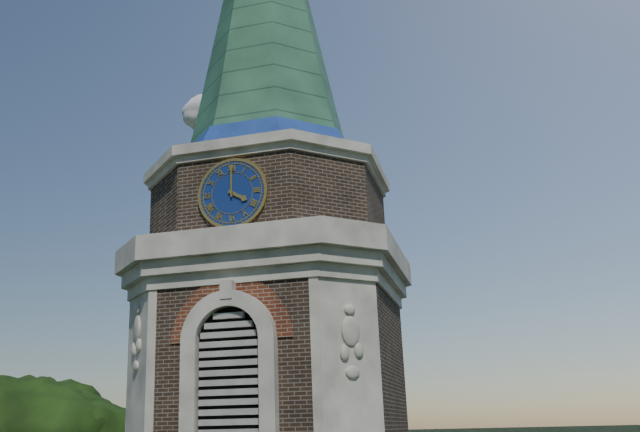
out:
4 h 00 min
